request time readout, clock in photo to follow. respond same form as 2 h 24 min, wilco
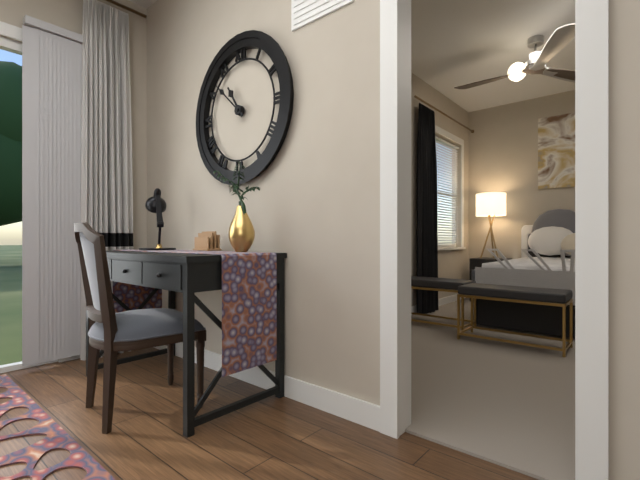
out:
10 h 52 min
